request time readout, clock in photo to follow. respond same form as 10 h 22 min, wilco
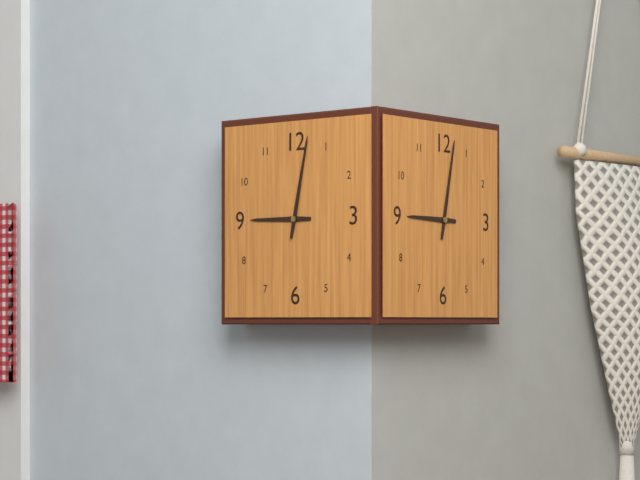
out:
9 h 02 min
